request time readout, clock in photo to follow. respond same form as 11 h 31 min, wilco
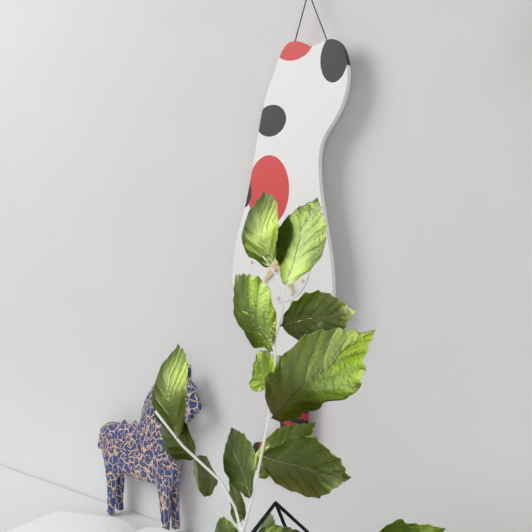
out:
7 h 24 min
